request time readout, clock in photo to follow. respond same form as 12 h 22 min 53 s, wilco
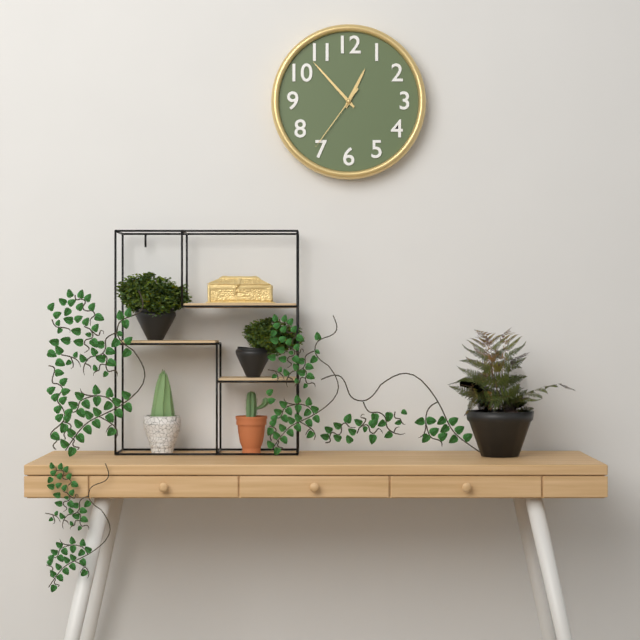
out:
12 h 53 min 36 s
